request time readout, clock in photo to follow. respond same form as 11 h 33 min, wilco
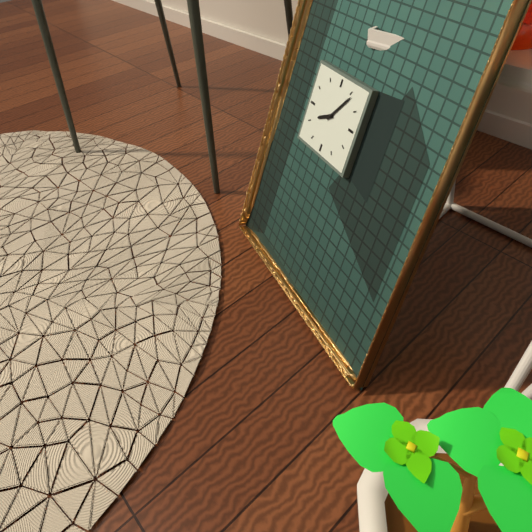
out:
8 h 06 min
